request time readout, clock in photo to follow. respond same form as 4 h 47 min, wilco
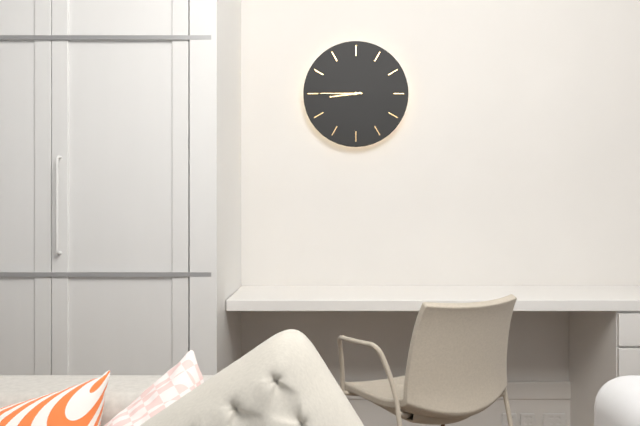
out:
8 h 45 min
